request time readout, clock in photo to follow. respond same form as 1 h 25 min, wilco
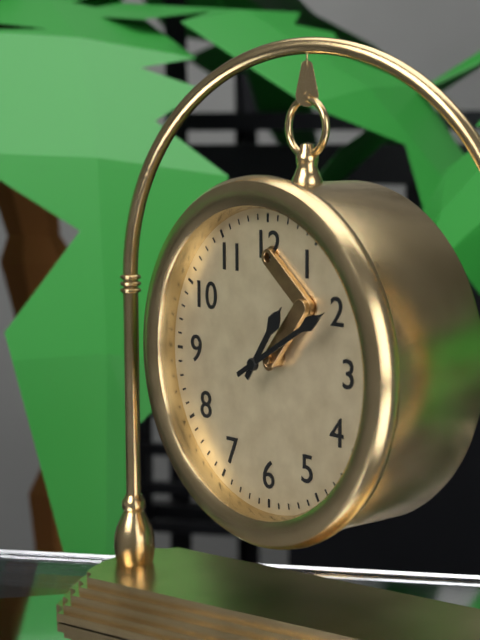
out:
1 h 10 min
